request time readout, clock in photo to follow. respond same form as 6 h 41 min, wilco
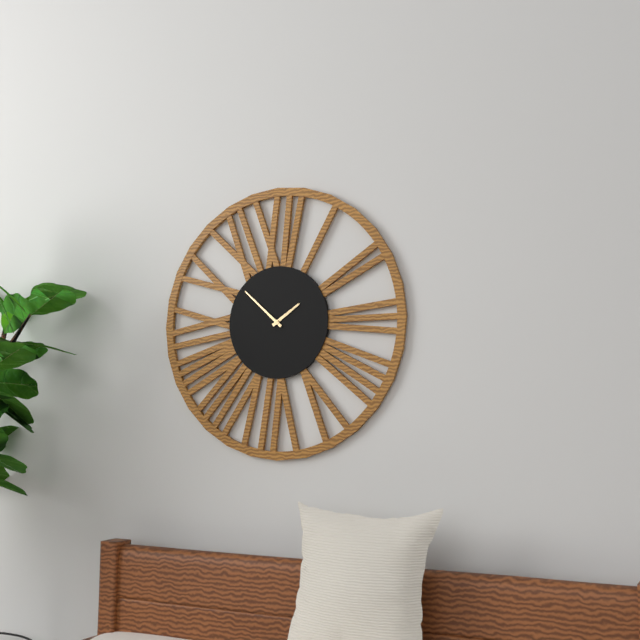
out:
1 h 52 min
